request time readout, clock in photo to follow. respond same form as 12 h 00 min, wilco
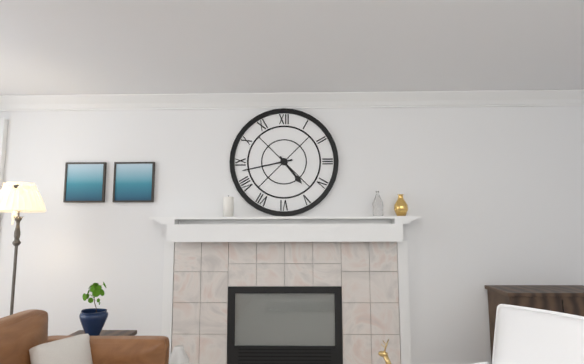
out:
4 h 43 min
